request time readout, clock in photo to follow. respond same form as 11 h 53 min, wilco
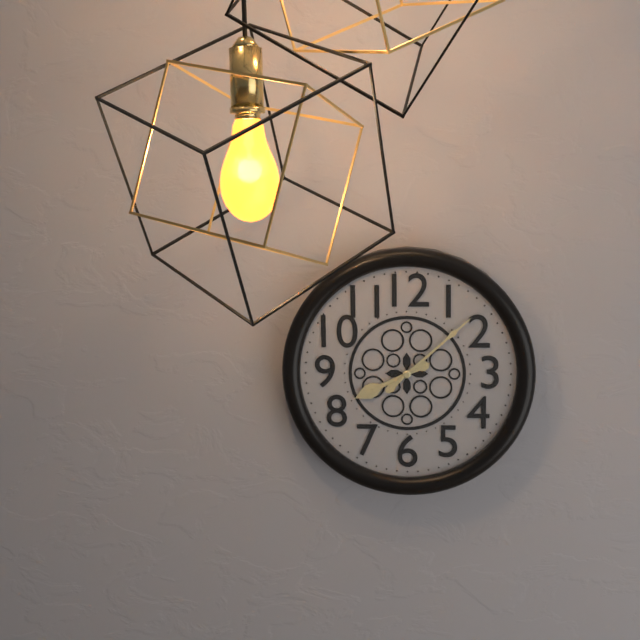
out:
8 h 08 min
